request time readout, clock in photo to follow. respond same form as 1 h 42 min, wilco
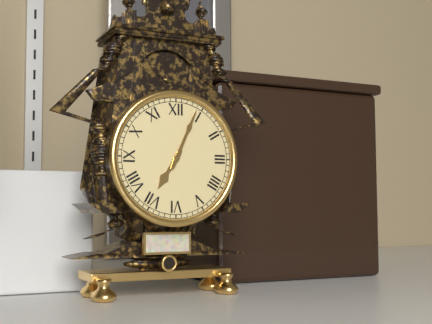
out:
7 h 04 min
